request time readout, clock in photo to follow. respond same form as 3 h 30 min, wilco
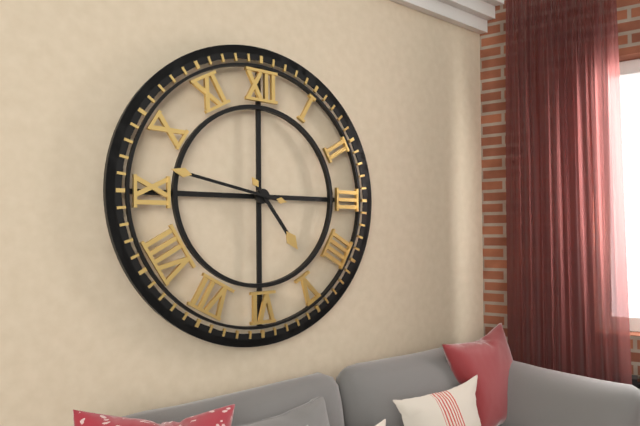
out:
4 h 47 min
